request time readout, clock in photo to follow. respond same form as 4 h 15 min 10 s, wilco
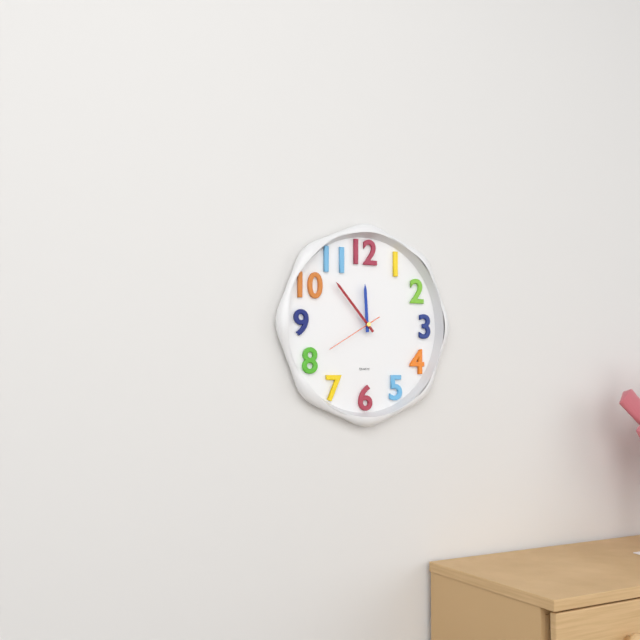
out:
11 h 53 min 40 s
